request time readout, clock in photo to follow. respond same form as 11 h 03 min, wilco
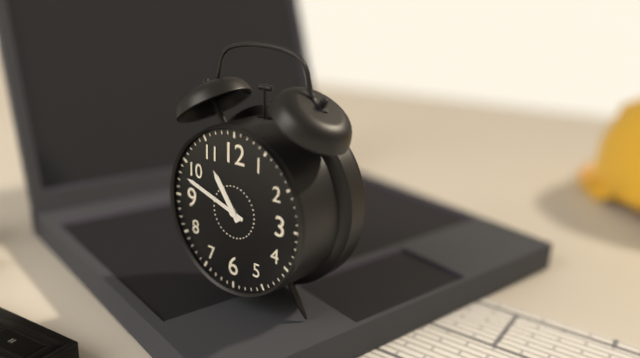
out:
10 h 48 min
